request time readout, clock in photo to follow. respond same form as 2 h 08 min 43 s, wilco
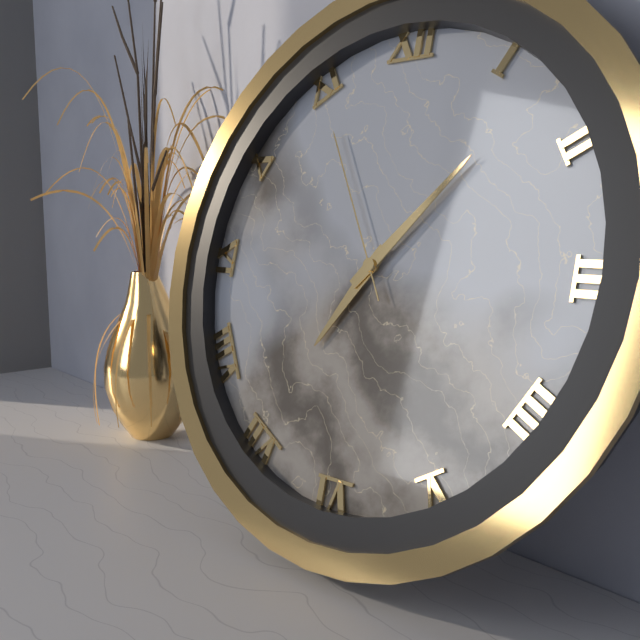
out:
7 h 07 min 55 s
